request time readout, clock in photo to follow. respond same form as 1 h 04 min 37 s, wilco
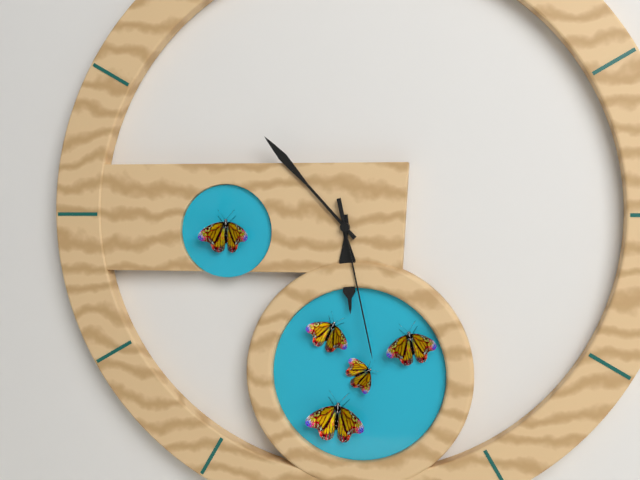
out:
5 h 53 min 28 s
